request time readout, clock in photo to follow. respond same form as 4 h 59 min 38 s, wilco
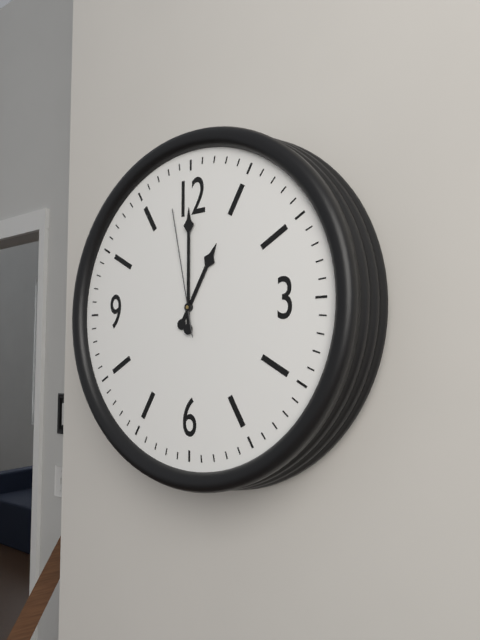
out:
1 h 00 min 58 s
